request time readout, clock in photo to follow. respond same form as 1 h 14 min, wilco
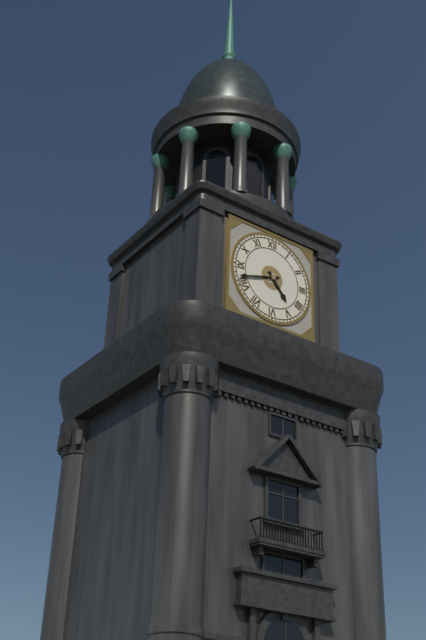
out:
4 h 42 min
